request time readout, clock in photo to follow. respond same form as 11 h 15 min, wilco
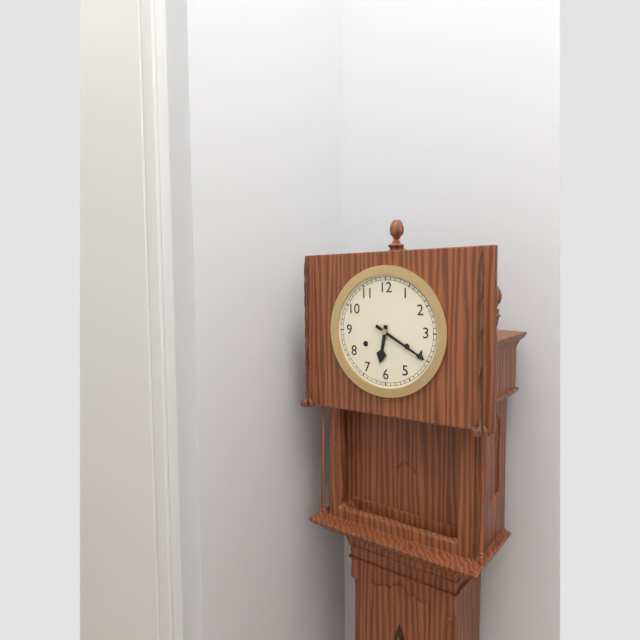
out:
6 h 20 min
